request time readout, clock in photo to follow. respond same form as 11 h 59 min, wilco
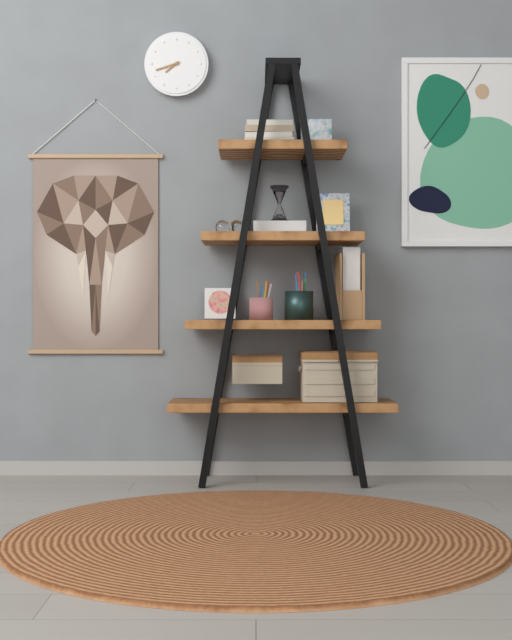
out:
7 h 42 min
